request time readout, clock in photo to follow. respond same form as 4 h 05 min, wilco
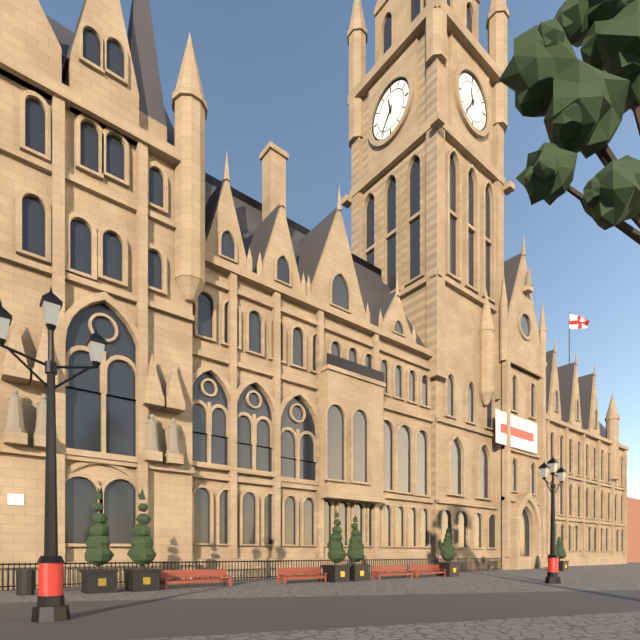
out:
11 h 36 min
